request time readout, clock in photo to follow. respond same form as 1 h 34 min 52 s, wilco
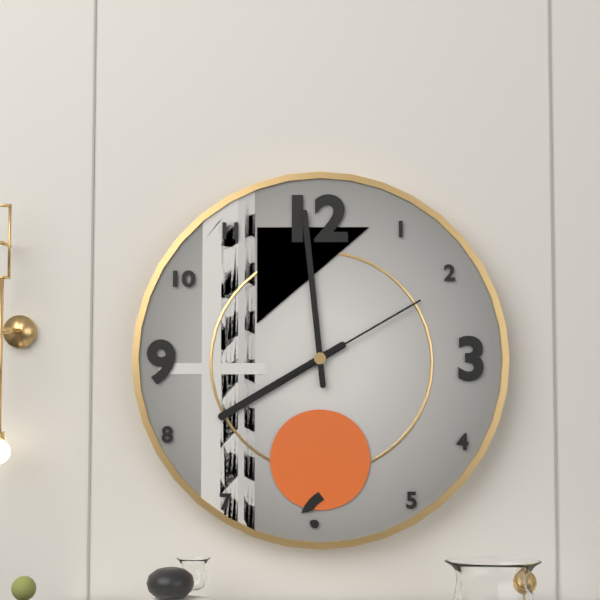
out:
7 h 59 min 10 s
